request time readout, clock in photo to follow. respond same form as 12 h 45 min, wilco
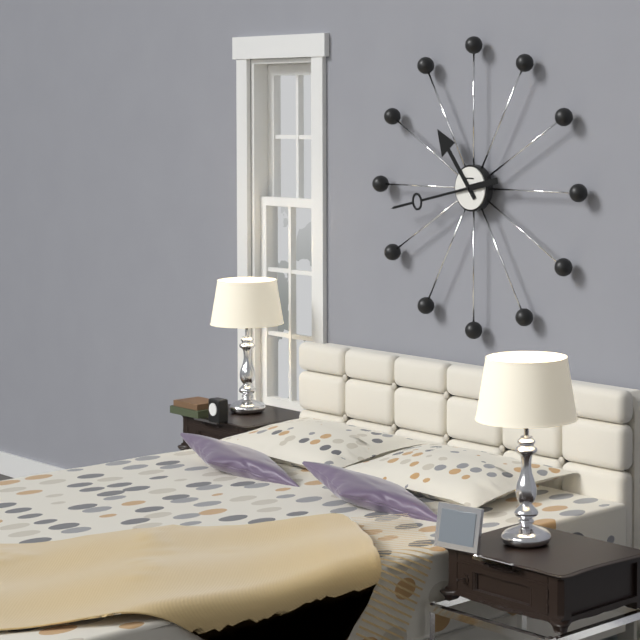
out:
10 h 43 min
